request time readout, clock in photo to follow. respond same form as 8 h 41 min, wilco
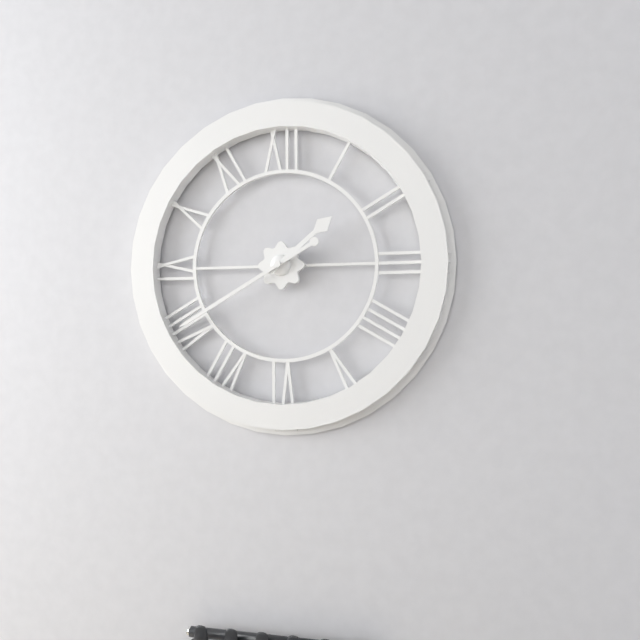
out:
1 h 40 min
